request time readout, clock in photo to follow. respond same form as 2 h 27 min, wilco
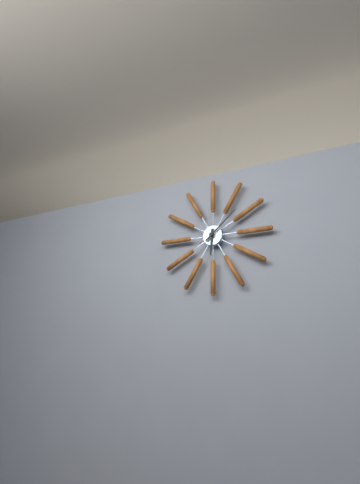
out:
6 h 08 min
